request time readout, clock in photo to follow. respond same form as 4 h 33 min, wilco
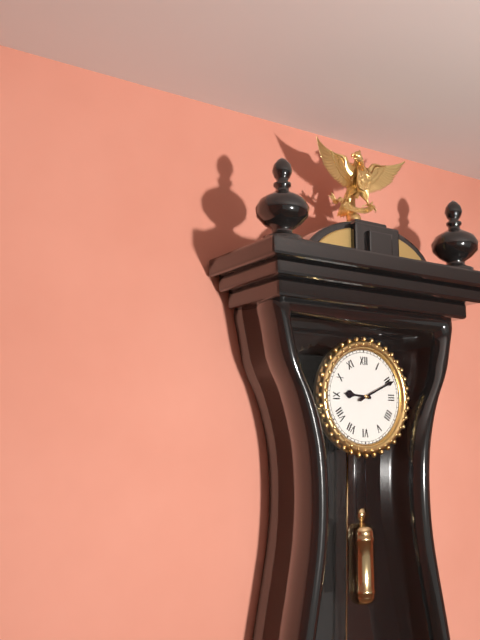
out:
9 h 11 min
